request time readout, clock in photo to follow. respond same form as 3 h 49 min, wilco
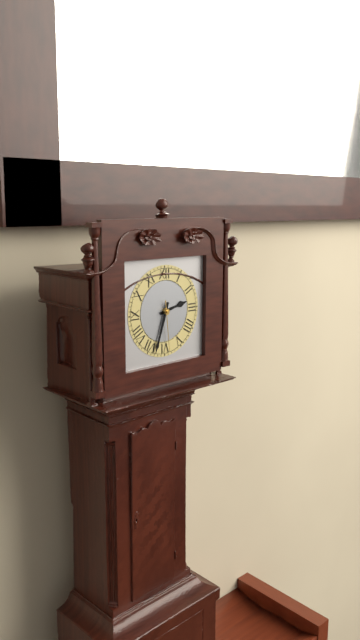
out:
2 h 33 min
